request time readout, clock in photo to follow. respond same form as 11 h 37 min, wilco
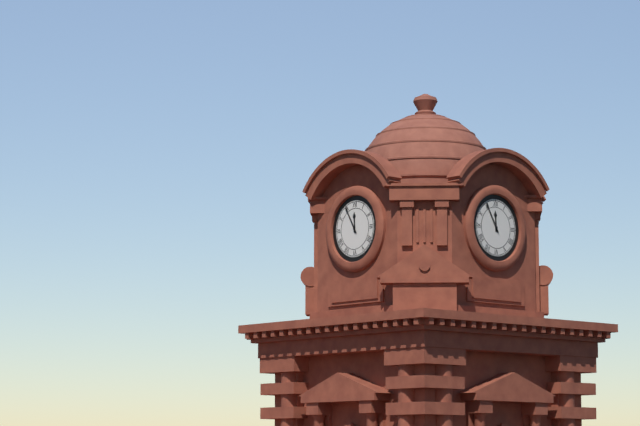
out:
11 h 55 min
